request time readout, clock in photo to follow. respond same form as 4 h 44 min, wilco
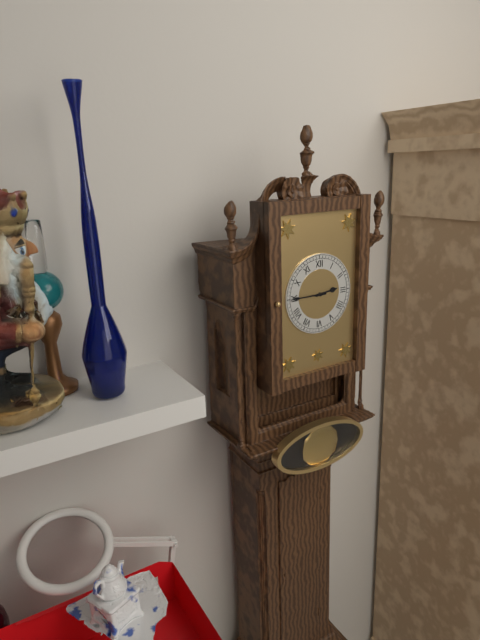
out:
2 h 45 min
